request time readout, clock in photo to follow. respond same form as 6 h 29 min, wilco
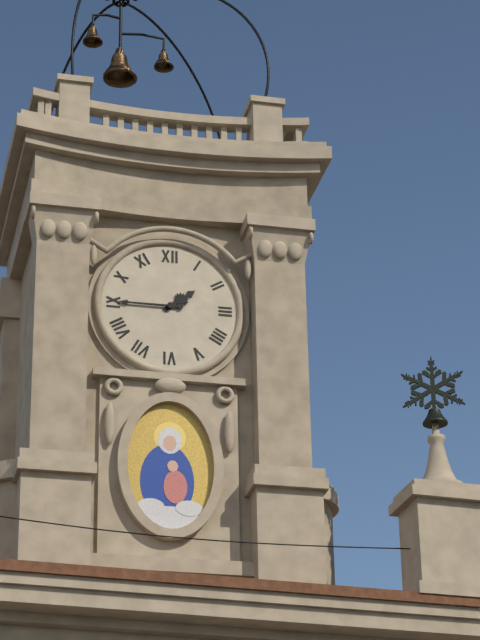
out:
1 h 45 min
